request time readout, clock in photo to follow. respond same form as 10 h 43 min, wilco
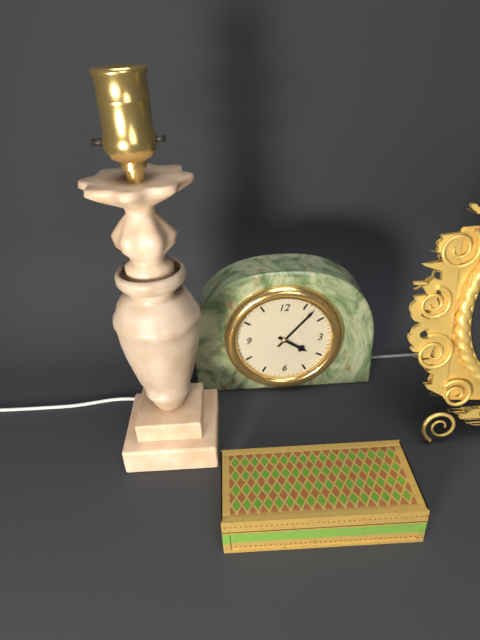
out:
4 h 07 min
